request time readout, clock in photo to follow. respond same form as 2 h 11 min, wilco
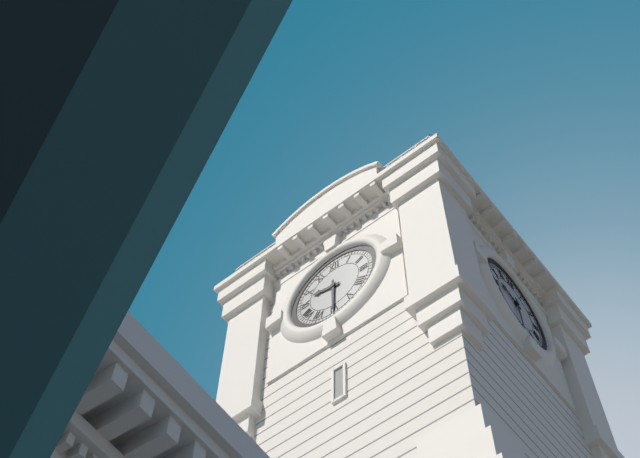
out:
9 h 30 min
